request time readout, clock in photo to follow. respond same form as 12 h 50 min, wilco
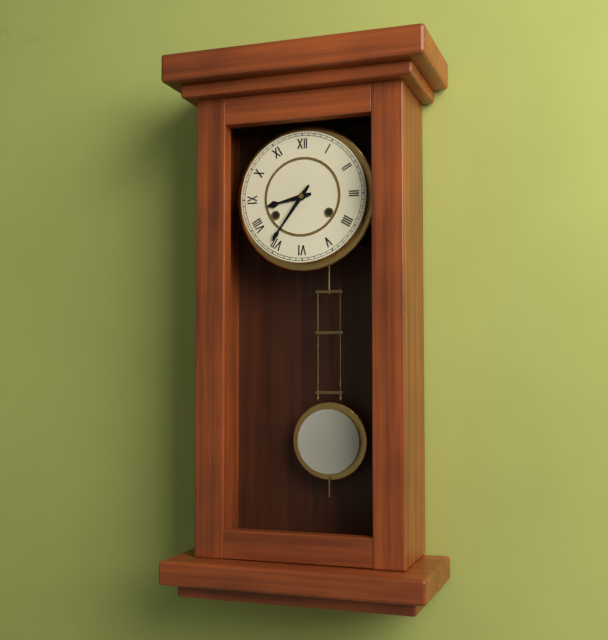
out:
8 h 36 min
